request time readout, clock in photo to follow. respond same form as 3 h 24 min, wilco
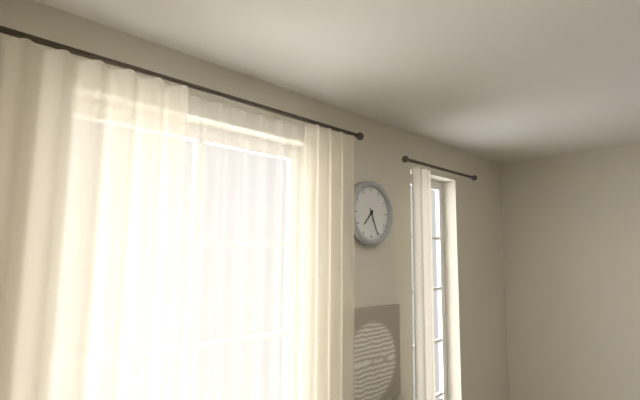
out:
7 h 26 min
